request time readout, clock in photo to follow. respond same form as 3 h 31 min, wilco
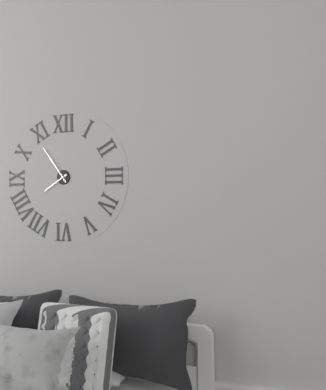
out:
7 h 54 min
